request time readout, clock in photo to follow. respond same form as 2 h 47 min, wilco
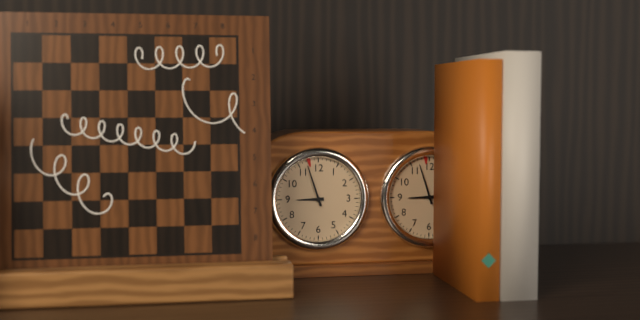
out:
8 h 57 min
